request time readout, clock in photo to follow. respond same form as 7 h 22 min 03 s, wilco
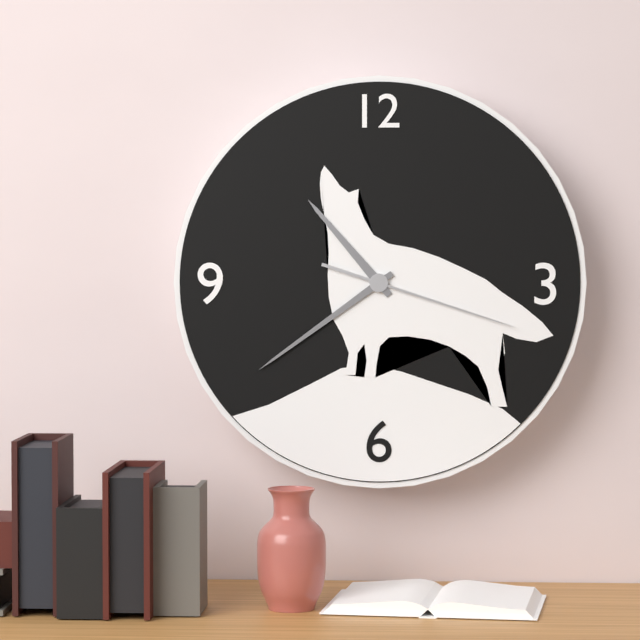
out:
10 h 39 min 18 s
